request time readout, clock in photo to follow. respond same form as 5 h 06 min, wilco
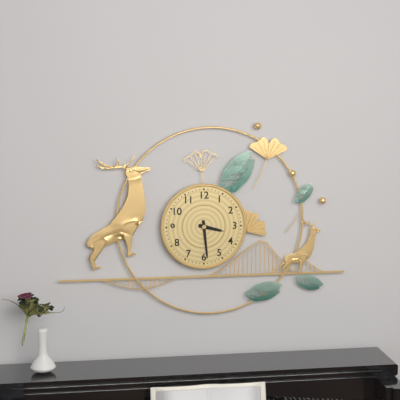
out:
3 h 29 min
